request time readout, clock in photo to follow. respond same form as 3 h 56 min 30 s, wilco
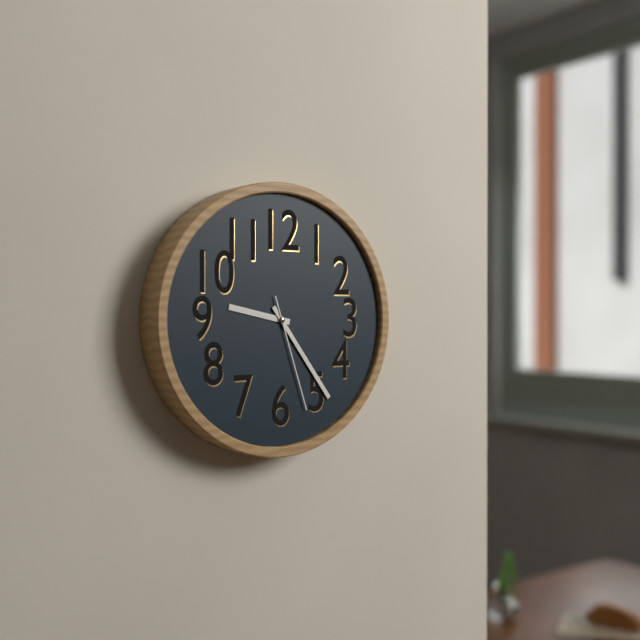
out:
9 h 24 min 27 s
